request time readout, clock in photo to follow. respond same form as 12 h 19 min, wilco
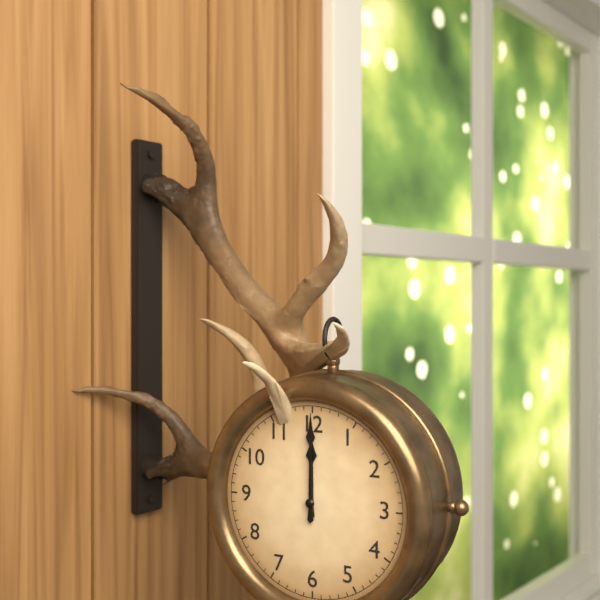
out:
12 h 00 min
